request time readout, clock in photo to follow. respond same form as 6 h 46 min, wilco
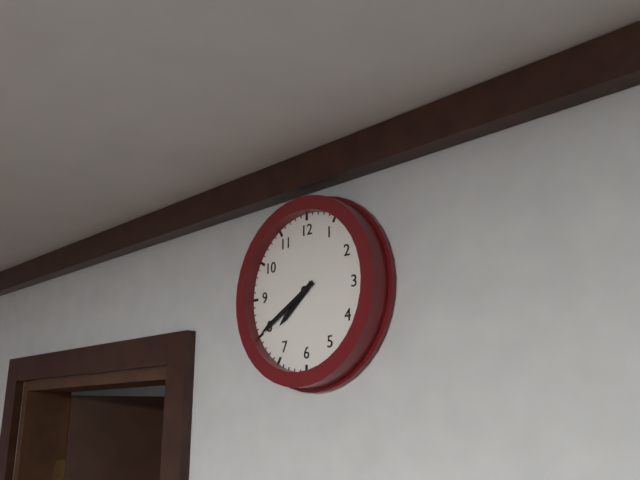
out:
7 h 40 min
